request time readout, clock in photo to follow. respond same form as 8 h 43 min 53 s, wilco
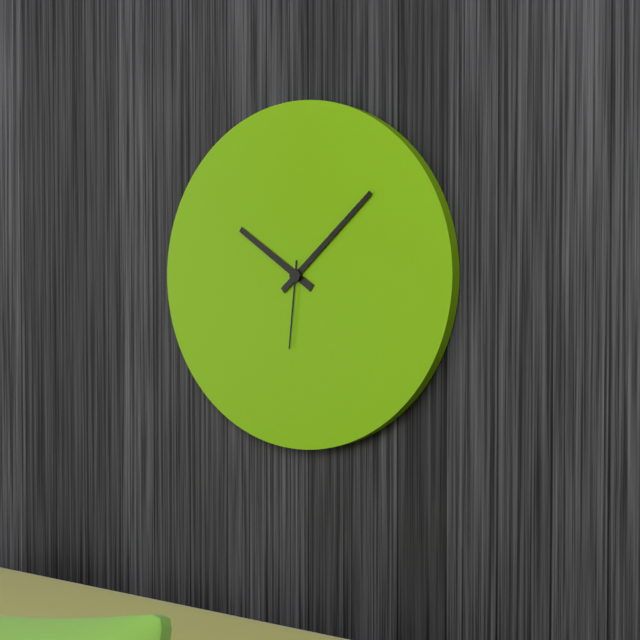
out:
10 h 08 min 31 s
